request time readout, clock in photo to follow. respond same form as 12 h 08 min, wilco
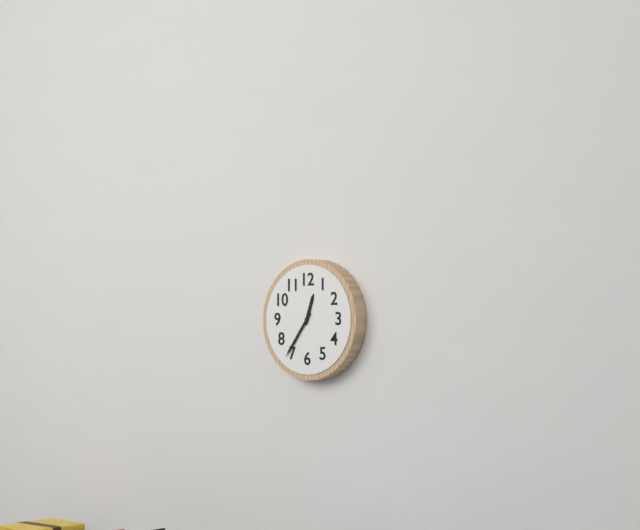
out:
12 h 36 min
